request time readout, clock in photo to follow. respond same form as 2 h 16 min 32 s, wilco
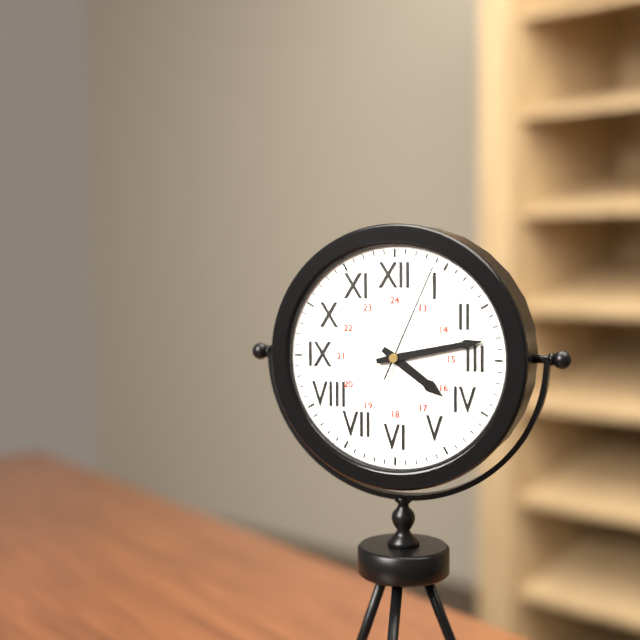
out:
4 h 13 min 04 s
